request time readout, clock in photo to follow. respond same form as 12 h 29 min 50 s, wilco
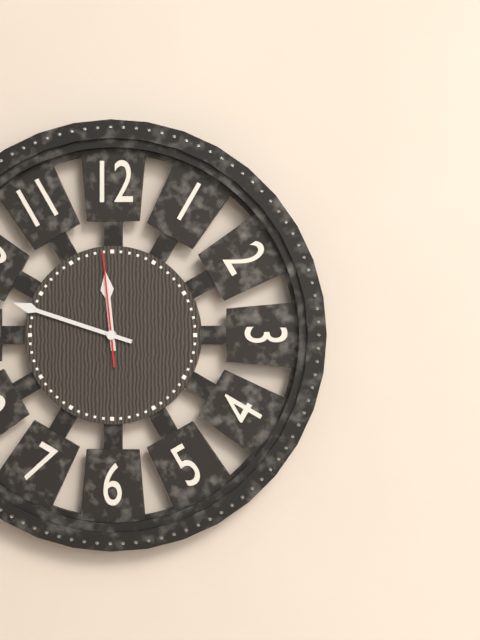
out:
11 h 48 min 59 s
